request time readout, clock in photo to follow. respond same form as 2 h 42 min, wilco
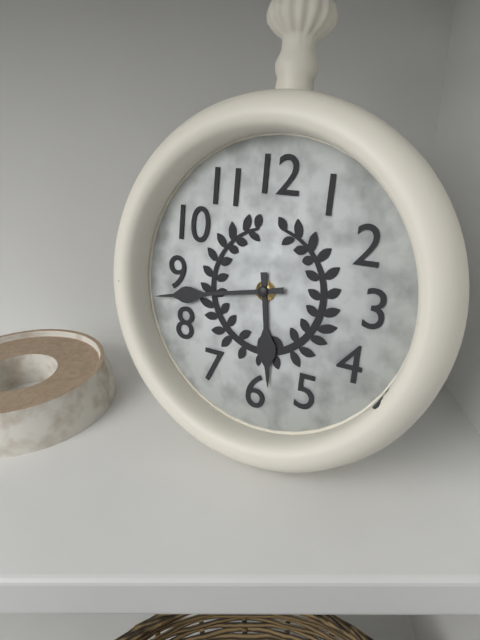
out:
5 h 43 min
